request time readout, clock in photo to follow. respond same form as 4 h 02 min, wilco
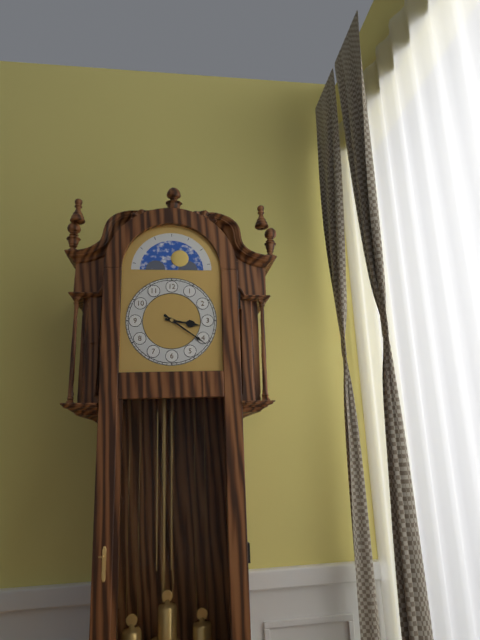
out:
3 h 21 min
